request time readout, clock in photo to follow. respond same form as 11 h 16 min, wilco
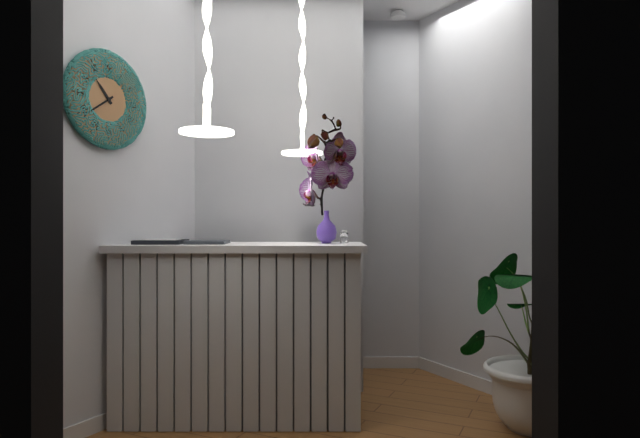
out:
10 h 39 min
